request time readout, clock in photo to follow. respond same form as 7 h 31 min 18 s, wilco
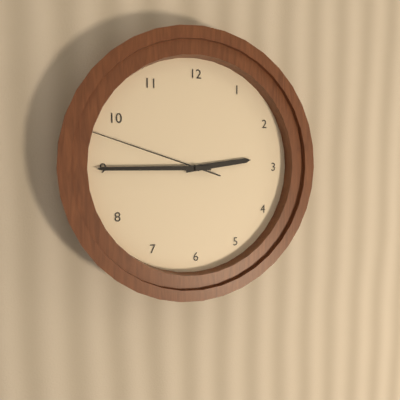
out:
2 h 45 min 48 s
